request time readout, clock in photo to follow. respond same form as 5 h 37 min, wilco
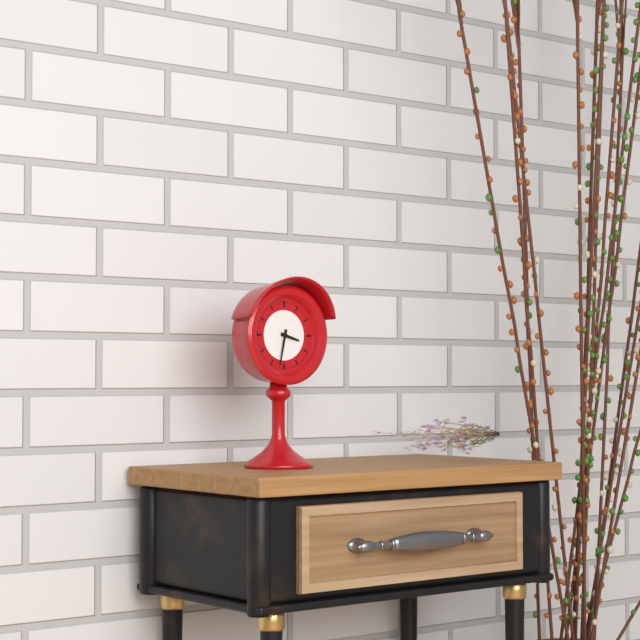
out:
3 h 32 min
